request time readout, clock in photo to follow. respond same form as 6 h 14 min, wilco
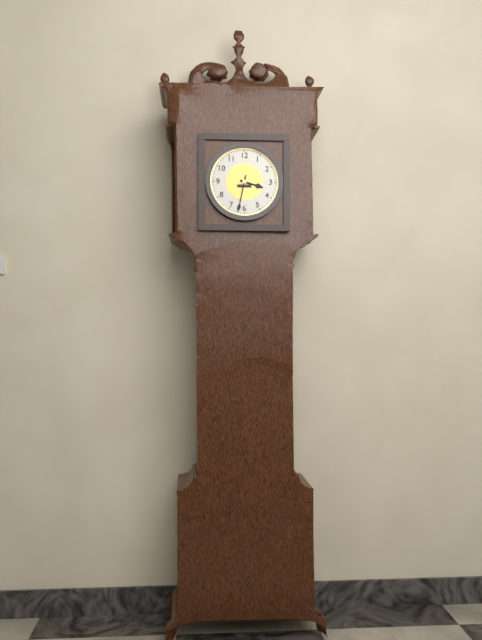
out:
3 h 32 min
